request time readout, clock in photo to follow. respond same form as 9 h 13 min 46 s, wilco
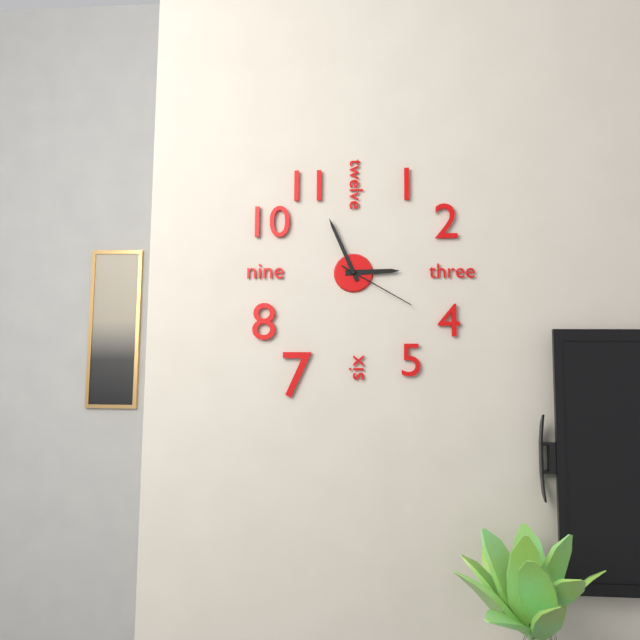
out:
2 h 56 min 20 s
